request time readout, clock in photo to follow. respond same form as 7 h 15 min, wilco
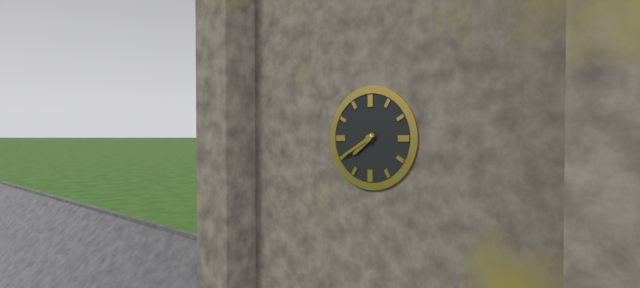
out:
7 h 40 min
